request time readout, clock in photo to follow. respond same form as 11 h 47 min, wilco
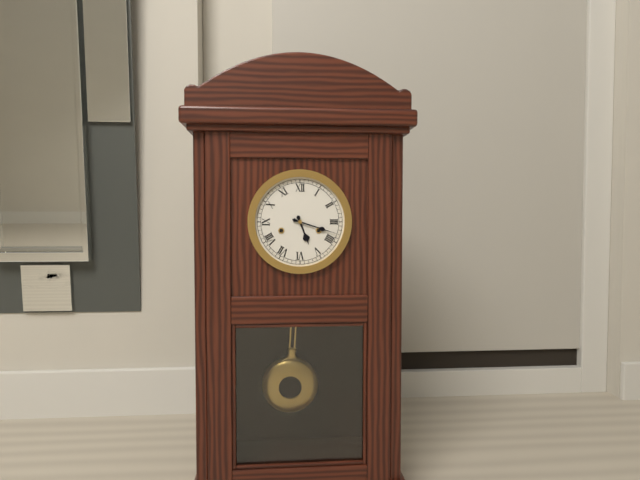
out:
5 h 18 min
